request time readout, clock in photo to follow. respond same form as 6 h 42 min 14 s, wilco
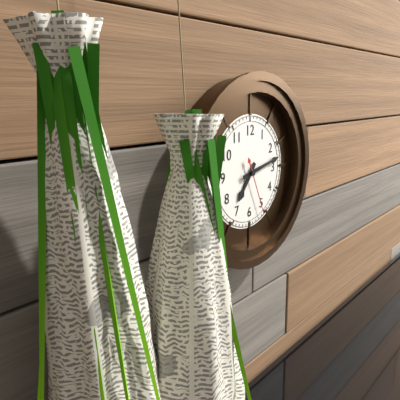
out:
7 h 13 min 26 s
